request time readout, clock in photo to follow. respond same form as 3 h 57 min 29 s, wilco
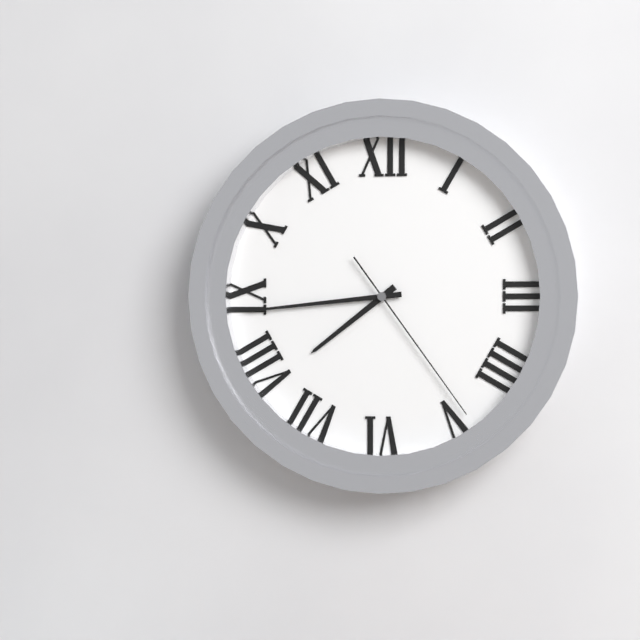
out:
7 h 44 min 24 s
